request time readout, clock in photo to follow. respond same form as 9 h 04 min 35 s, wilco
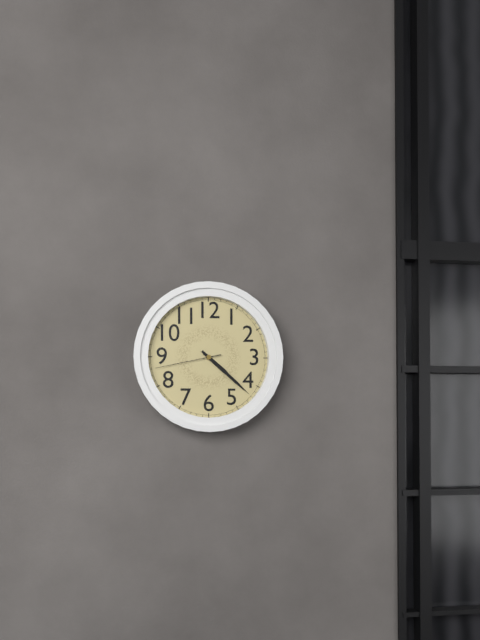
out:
4 h 22 min 43 s
